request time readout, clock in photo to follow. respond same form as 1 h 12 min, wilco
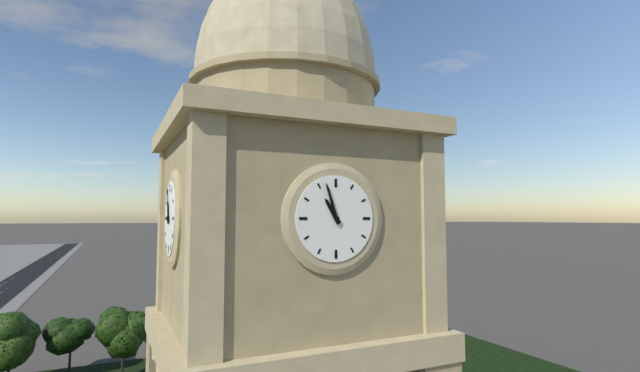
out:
10 h 57 min
